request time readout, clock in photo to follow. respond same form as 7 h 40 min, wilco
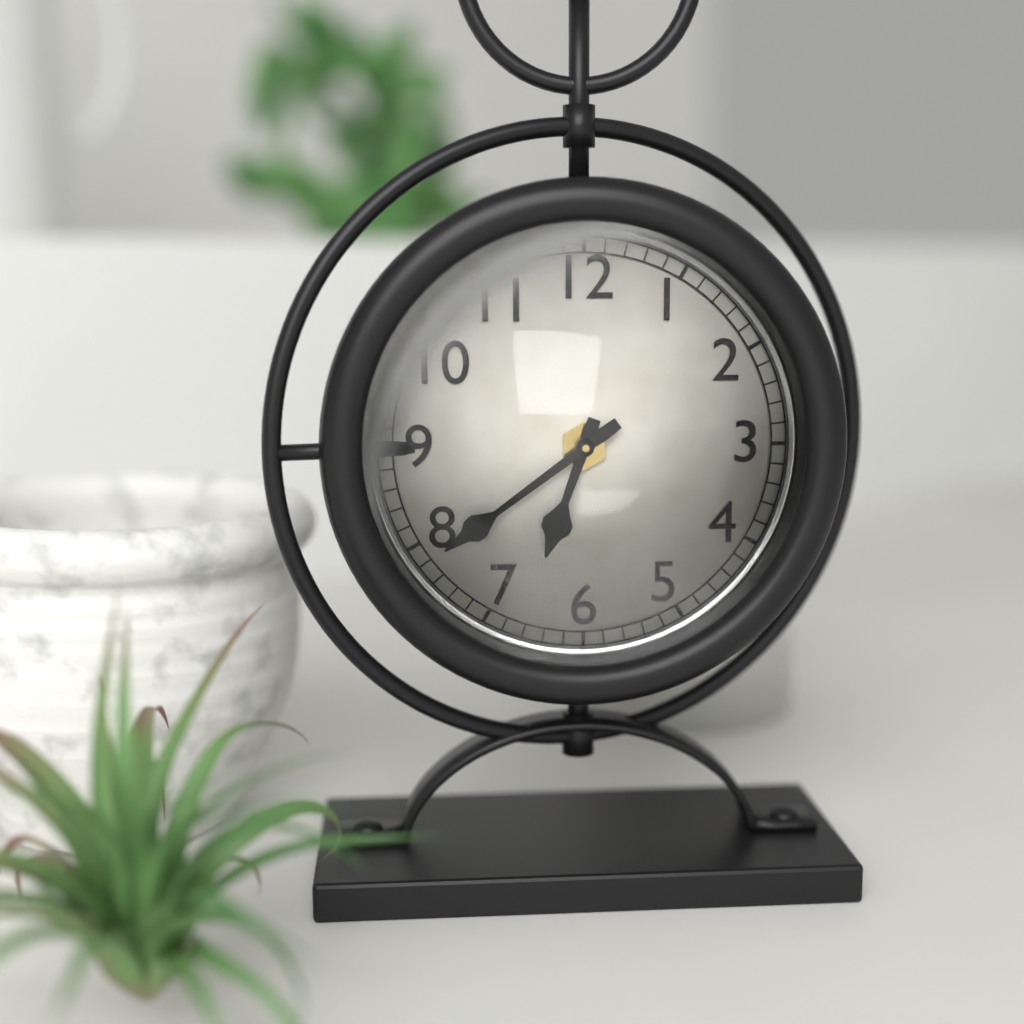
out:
6 h 39 min
